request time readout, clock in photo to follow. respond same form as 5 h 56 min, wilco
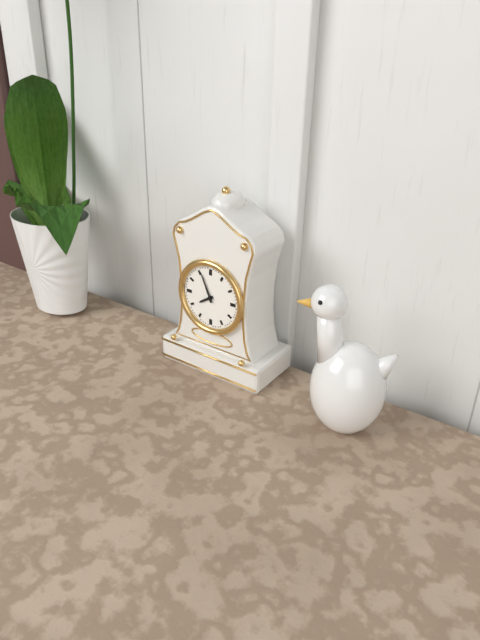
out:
7 h 56 min
